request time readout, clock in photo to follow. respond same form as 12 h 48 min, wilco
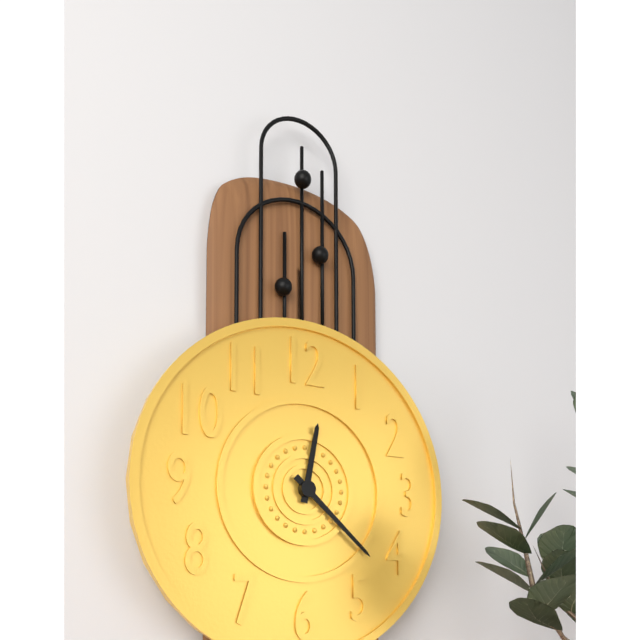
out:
12 h 22 min
